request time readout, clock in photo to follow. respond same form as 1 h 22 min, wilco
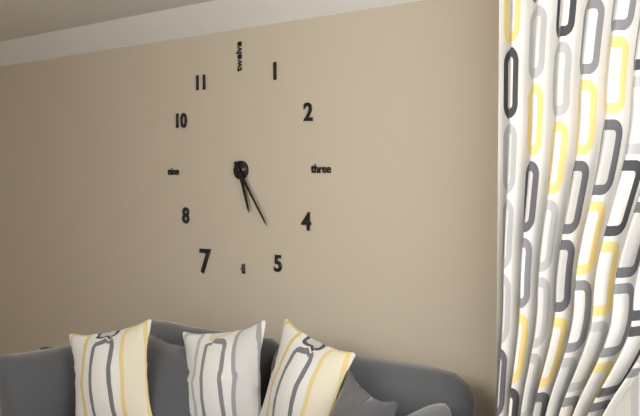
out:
5 h 24 min
